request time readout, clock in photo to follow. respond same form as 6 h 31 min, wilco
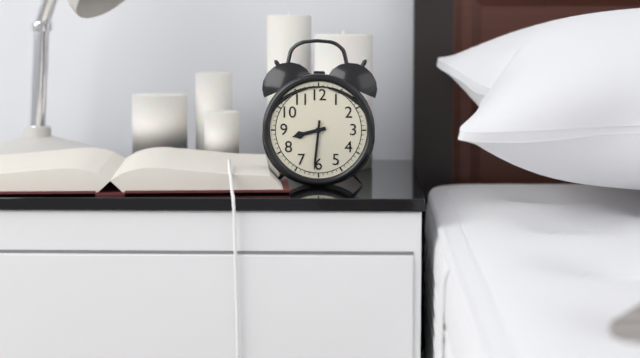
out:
8 h 31 min
